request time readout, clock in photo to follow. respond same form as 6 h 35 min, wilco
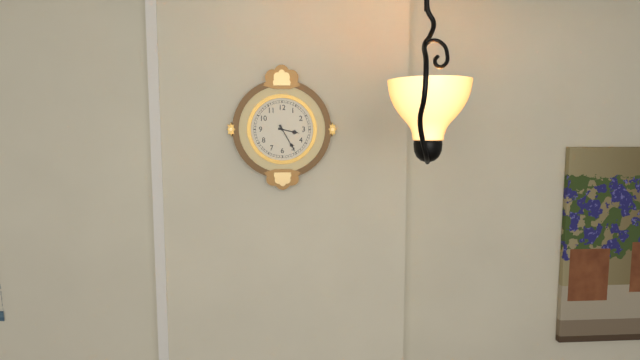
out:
3 h 25 min
